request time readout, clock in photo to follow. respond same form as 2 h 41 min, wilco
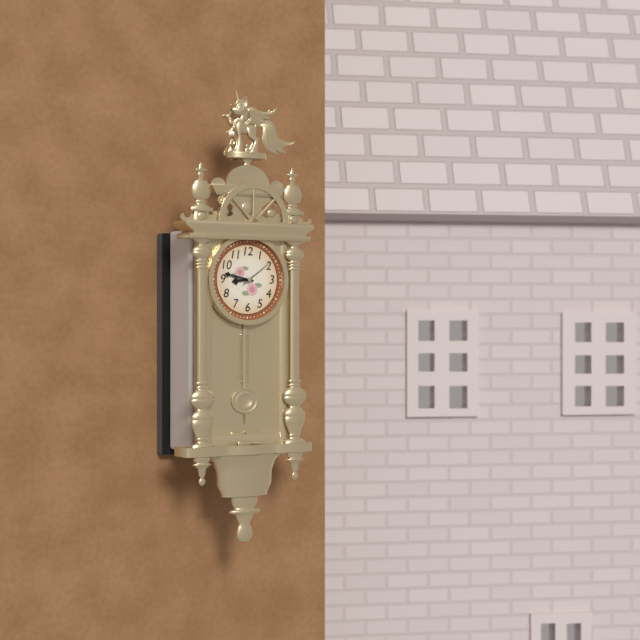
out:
8 h 47 min
